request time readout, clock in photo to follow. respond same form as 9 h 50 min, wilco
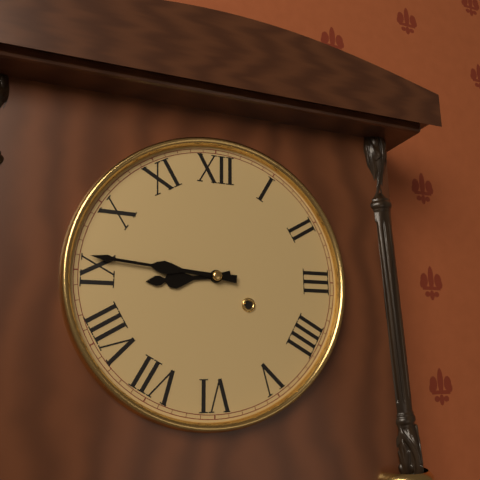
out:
8 h 46 min
